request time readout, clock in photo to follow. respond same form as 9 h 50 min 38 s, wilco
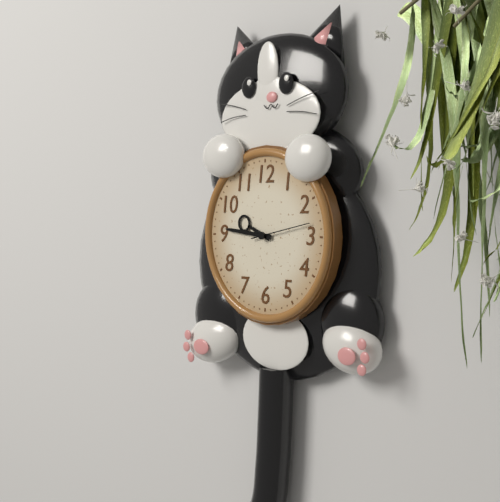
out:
9 h 46 min 13 s
